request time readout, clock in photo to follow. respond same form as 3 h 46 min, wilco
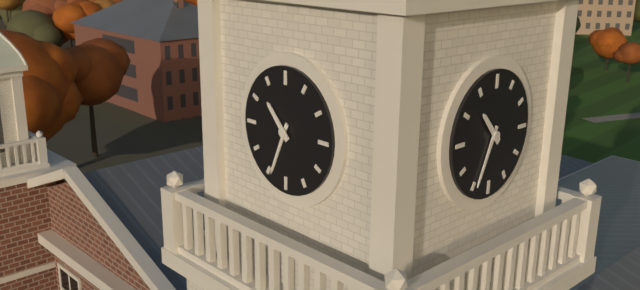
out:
10 h 34 min
